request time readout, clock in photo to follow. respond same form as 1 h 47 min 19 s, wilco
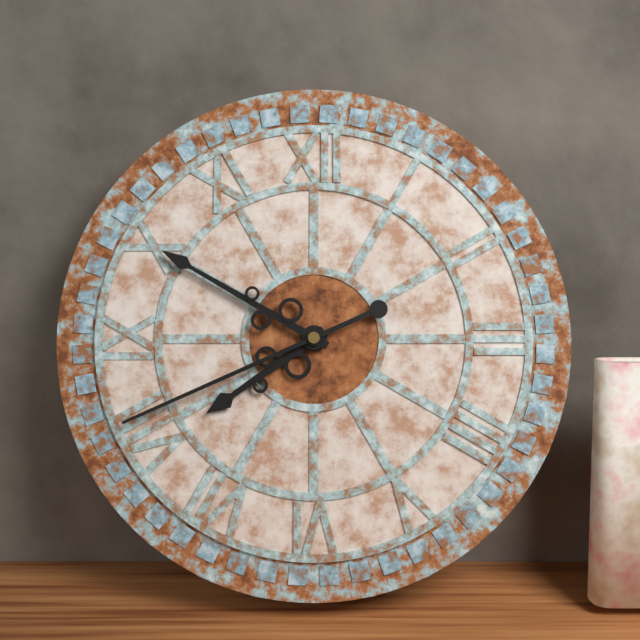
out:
7 h 50 min 41 s
